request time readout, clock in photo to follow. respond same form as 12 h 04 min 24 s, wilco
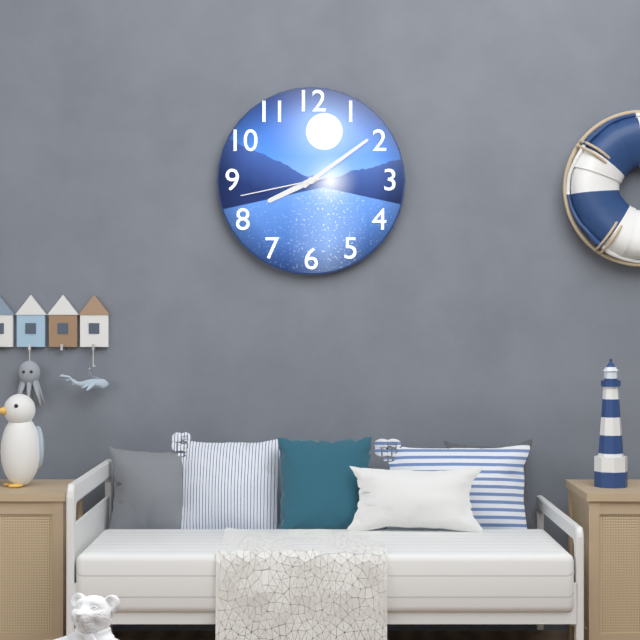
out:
8 h 09 min 43 s
